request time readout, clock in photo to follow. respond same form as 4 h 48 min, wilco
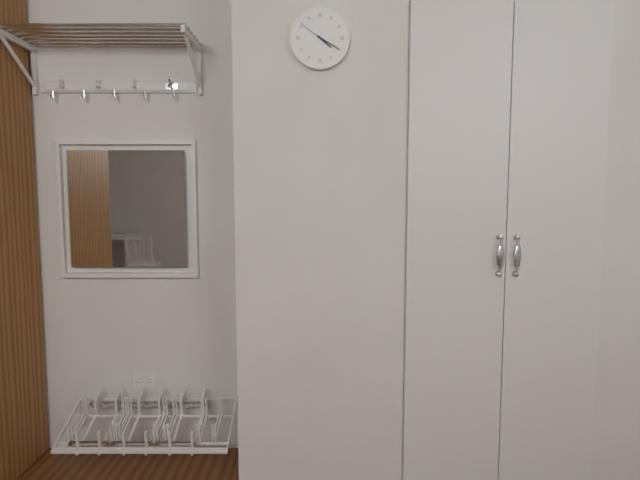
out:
4 h 20 min
